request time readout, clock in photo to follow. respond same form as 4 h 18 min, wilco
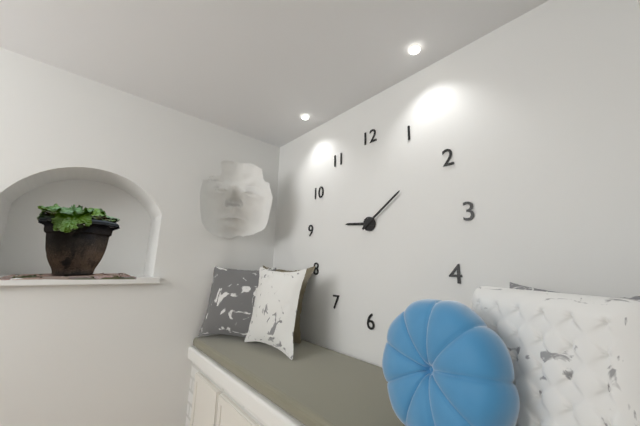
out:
9 h 09 min
